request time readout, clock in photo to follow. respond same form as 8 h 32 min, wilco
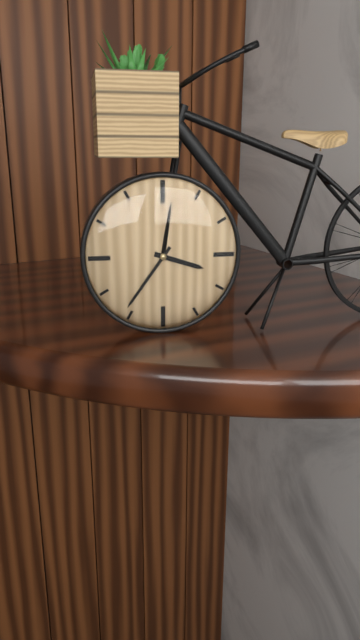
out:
3 h 36 min
